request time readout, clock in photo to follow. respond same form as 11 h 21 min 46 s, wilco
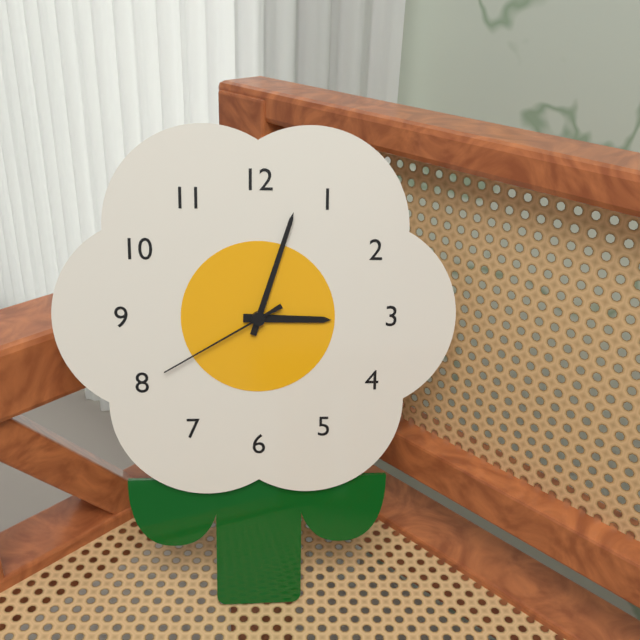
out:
3 h 03 min 40 s
